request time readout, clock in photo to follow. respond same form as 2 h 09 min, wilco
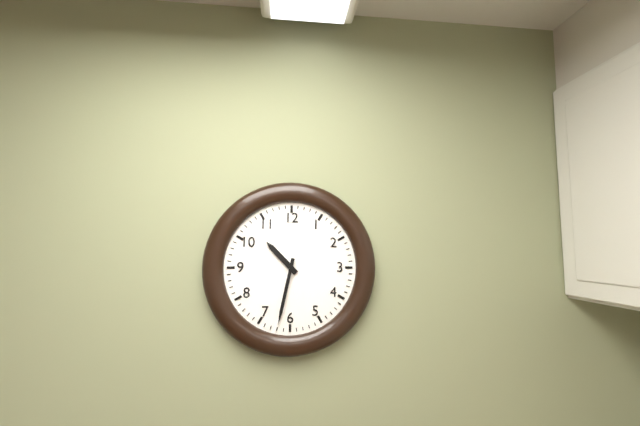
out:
10 h 32 min
